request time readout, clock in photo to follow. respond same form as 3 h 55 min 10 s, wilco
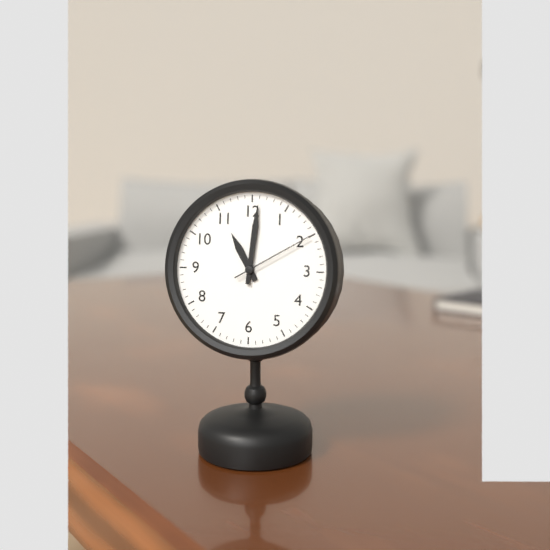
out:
11 h 01 min 10 s
